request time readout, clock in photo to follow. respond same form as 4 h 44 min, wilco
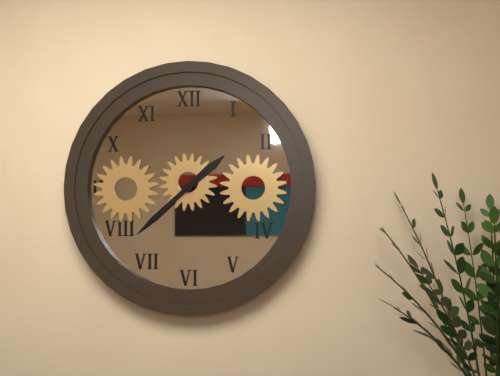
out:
1 h 38 min
